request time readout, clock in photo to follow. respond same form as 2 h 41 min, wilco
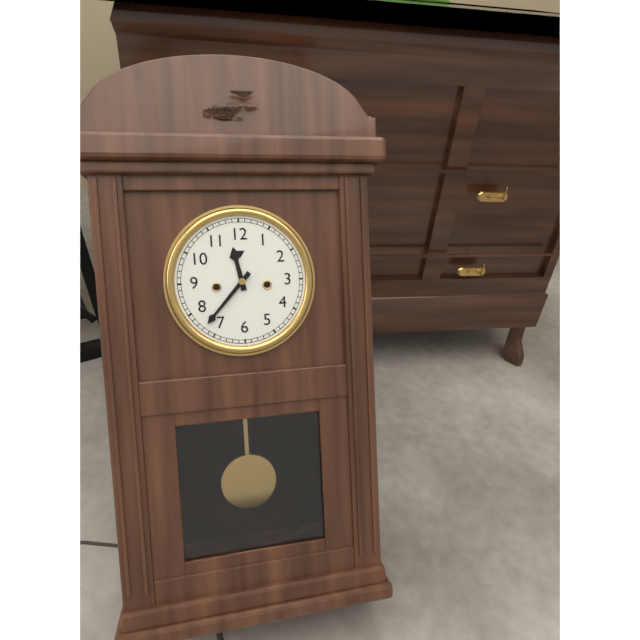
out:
11 h 37 min
